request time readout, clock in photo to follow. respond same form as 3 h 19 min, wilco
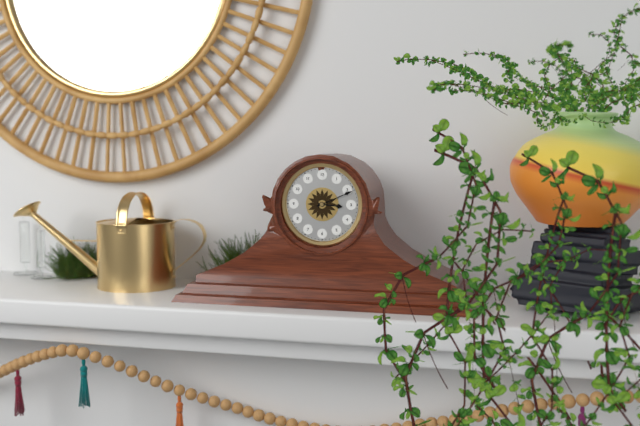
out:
3 h 11 min
